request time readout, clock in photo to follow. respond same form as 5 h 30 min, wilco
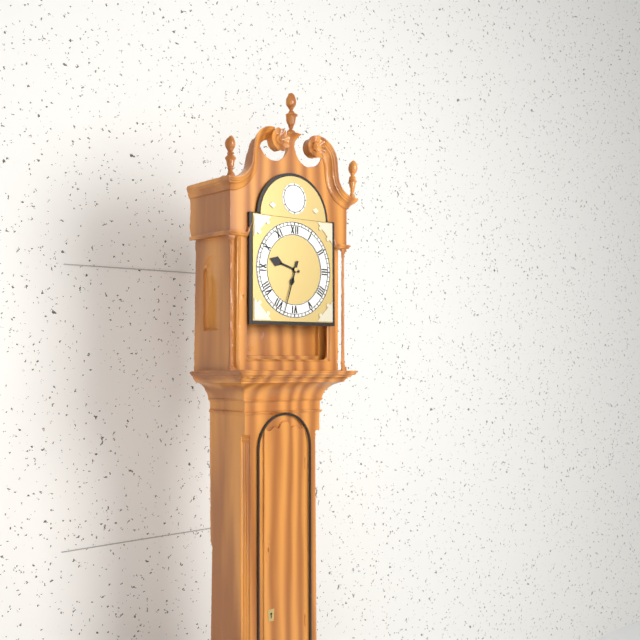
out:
9 h 33 min
